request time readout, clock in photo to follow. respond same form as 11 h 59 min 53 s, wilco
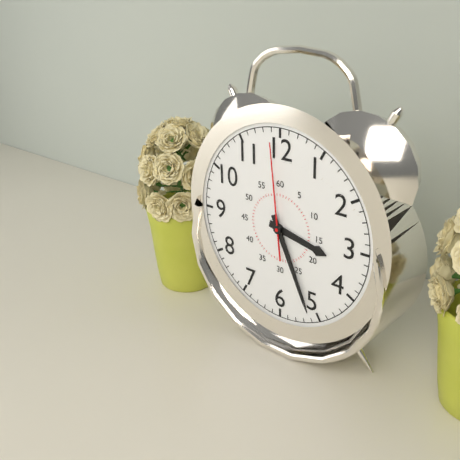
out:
3 h 26 min 59 s
